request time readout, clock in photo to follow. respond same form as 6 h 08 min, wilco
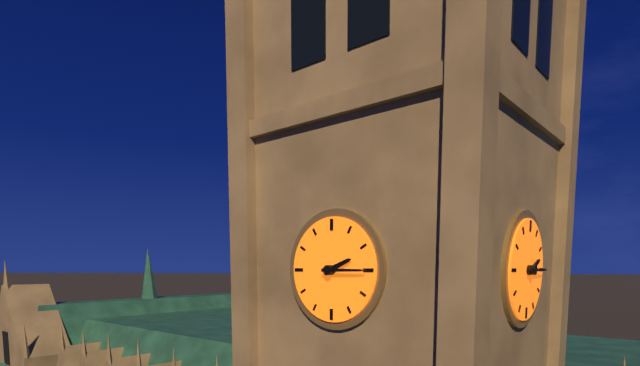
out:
2 h 15 min
